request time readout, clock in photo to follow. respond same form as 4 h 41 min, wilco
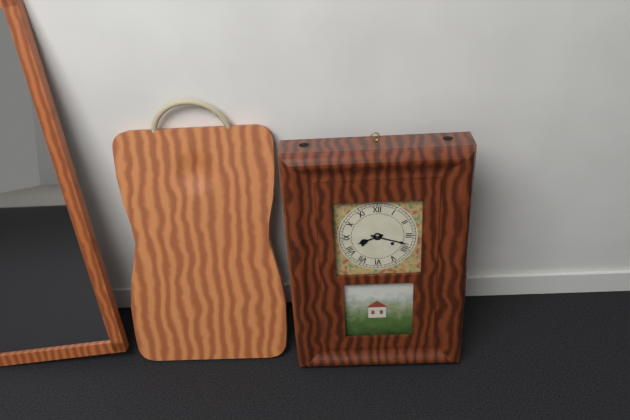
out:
8 h 18 min
